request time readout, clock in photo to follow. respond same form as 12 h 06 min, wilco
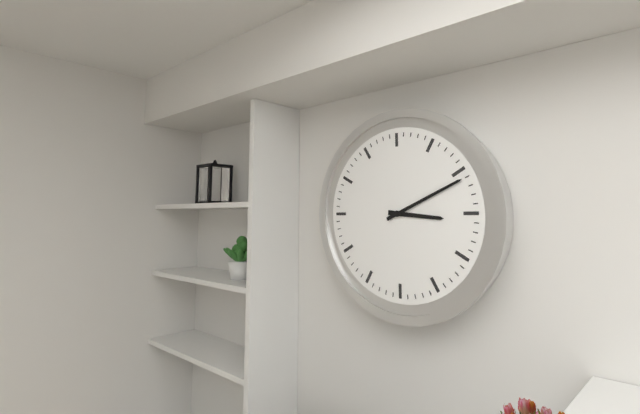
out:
3 h 11 min
